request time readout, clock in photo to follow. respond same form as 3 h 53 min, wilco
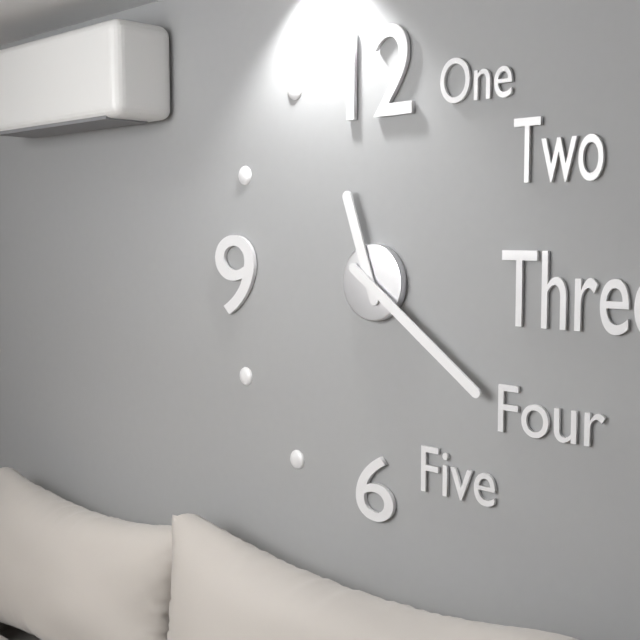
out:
11 h 21 min
